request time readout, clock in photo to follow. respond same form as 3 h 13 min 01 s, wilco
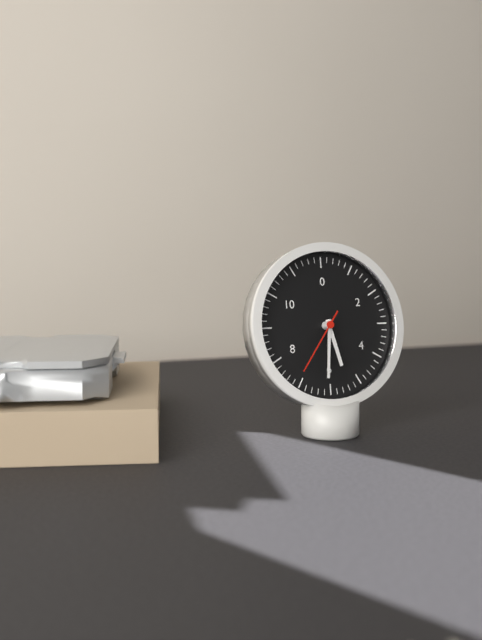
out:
5 h 31 min 36 s
